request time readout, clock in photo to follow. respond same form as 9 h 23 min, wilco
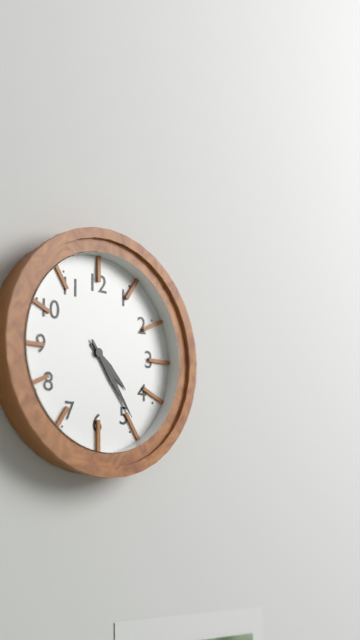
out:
4 h 24 min
